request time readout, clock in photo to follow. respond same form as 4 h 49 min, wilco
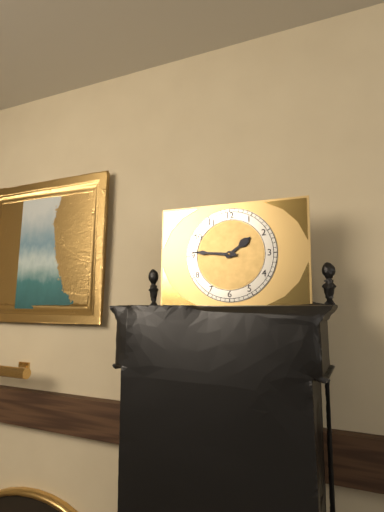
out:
1 h 46 min
